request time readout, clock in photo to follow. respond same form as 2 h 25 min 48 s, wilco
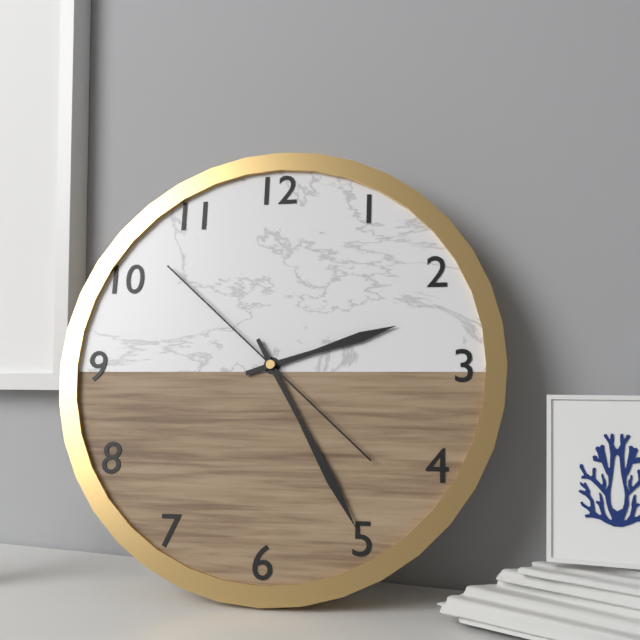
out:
2 h 25 min 52 s
